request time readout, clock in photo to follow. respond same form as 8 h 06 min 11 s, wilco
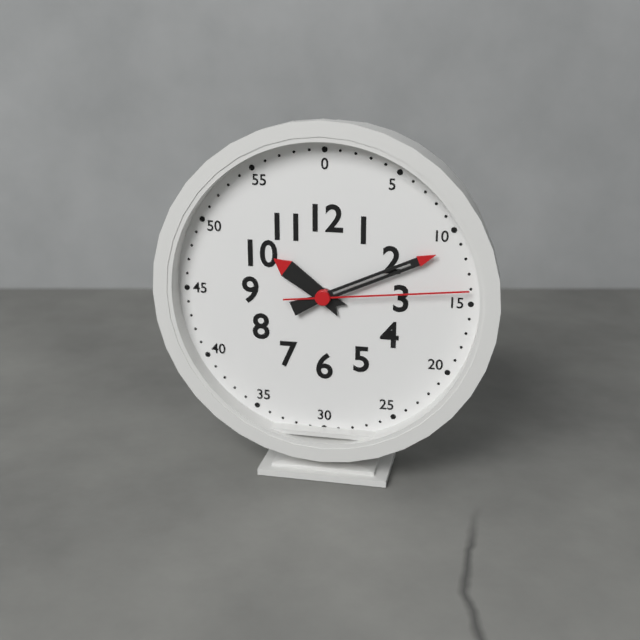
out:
10 h 11 min 14 s
